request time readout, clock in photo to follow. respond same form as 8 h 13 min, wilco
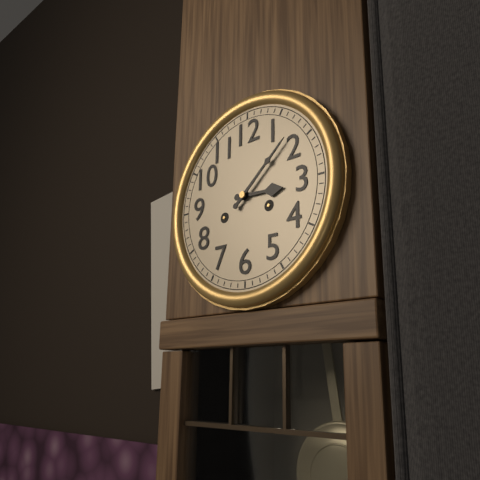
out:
3 h 08 min
